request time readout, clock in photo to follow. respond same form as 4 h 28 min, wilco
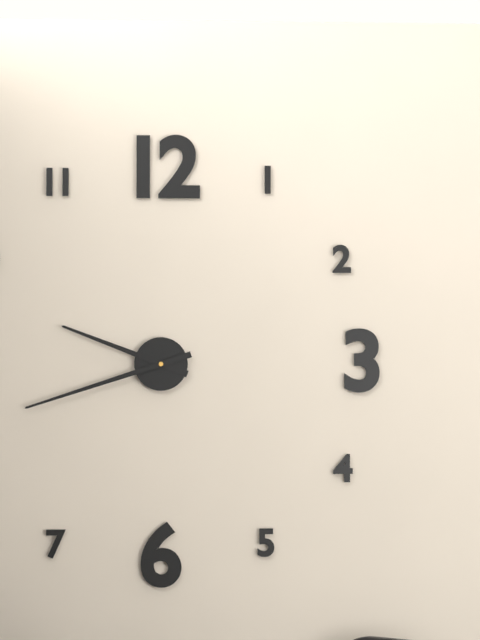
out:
9 h 42 min
